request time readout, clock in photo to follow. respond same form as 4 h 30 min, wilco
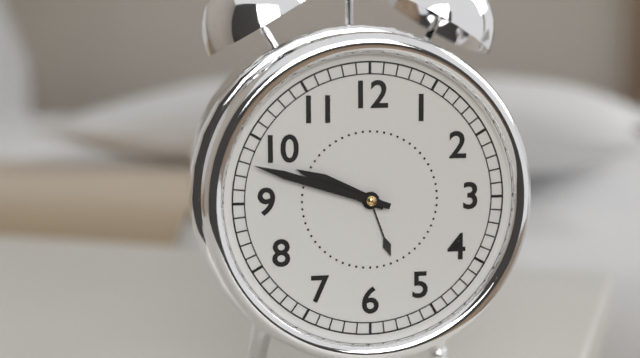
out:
9 h 48 min
